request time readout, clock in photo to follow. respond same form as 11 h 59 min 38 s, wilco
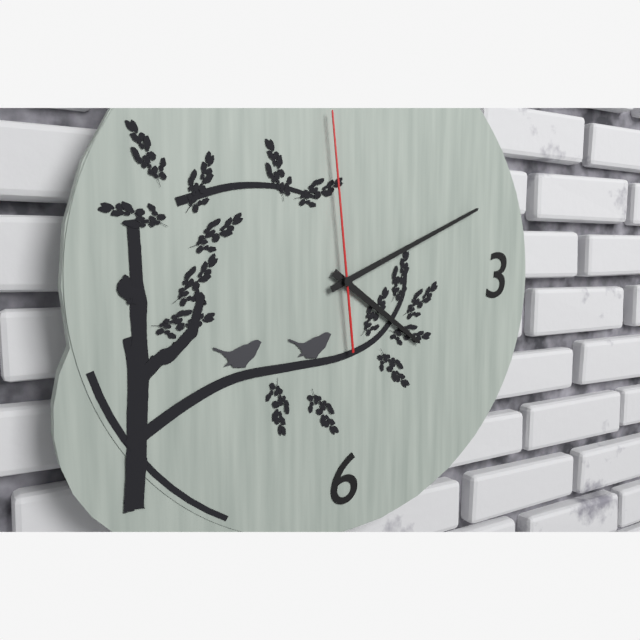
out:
4 h 11 min 59 s
